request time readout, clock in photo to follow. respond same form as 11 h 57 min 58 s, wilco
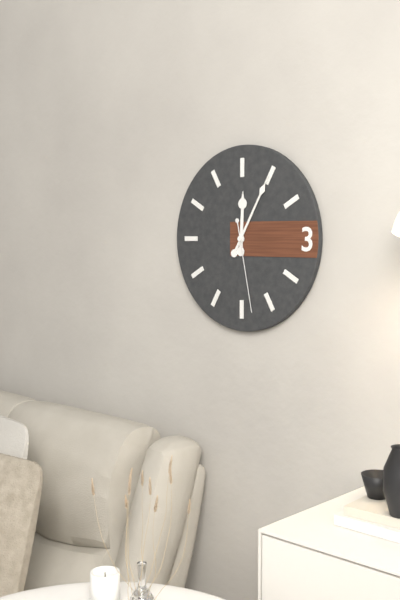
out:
12 h 05 min 28 s
